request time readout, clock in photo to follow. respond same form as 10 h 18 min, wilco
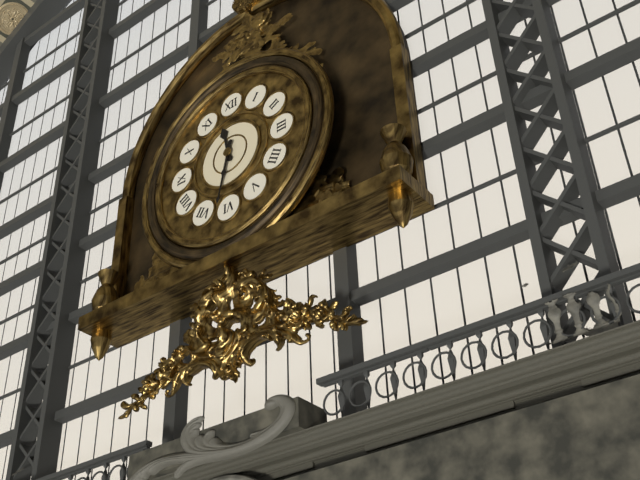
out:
11 h 32 min
